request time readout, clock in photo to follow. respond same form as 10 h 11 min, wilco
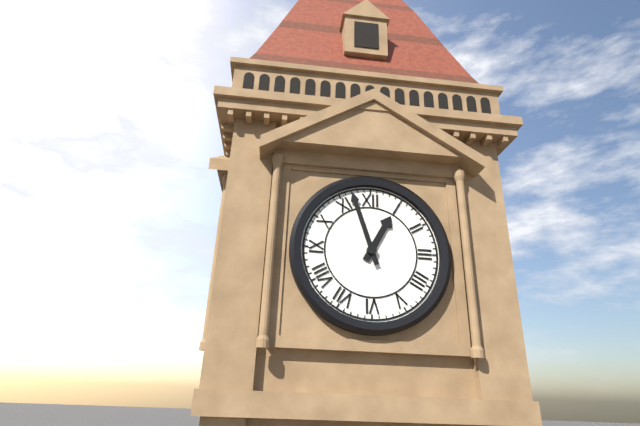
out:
12 h 57 min
